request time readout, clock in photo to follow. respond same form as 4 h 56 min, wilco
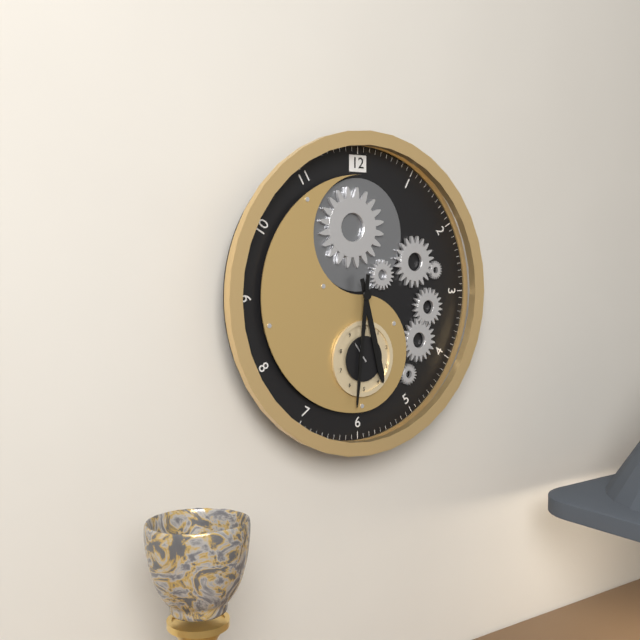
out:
5 h 31 min
